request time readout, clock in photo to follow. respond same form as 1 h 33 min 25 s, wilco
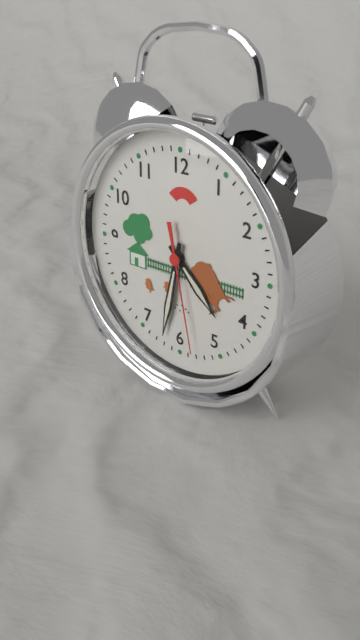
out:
4 h 32 min 28 s
